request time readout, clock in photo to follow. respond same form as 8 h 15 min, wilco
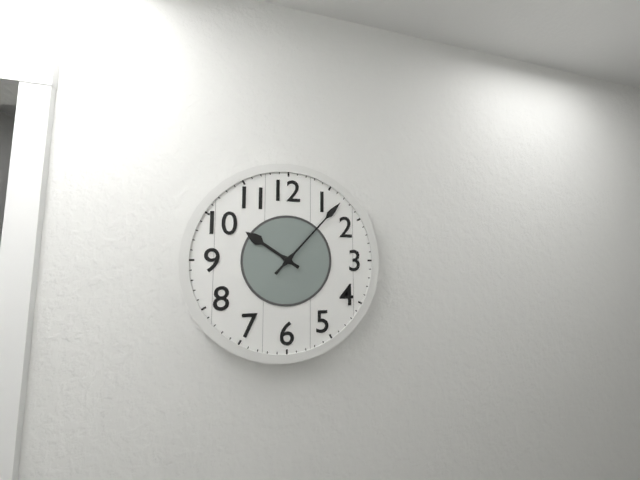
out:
10 h 07 min
